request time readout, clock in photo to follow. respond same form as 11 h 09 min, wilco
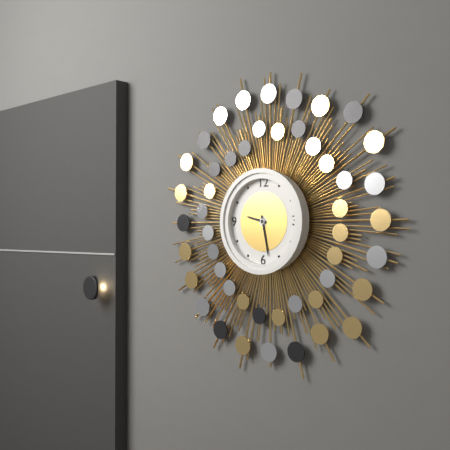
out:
9 h 28 min
